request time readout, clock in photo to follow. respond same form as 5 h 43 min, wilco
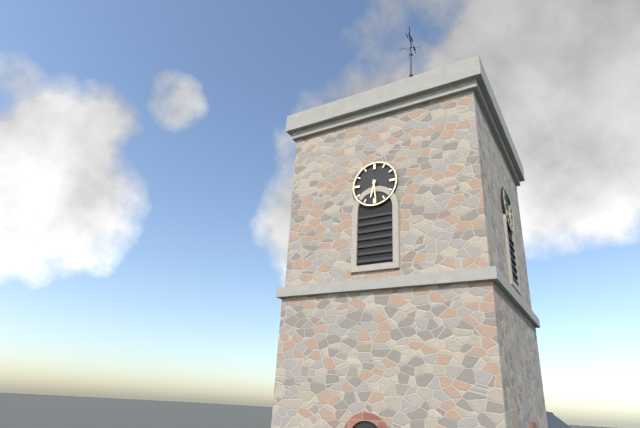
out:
6 h 29 min
